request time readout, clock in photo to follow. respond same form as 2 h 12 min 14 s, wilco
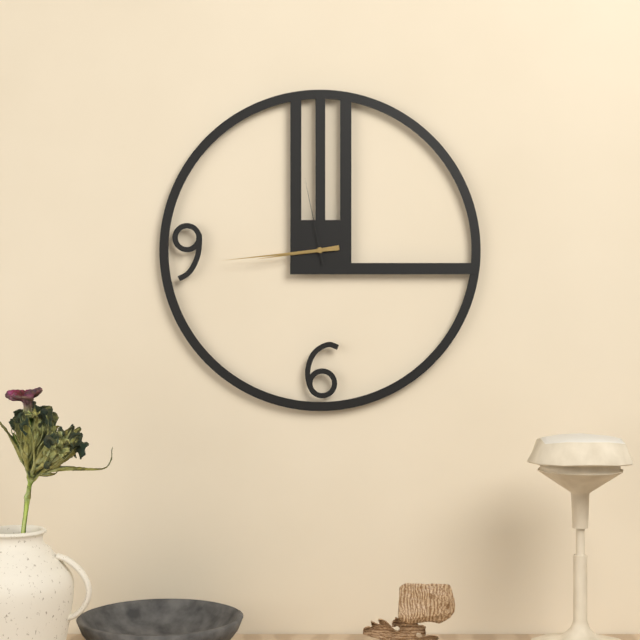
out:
8 h 44 min 58 s
